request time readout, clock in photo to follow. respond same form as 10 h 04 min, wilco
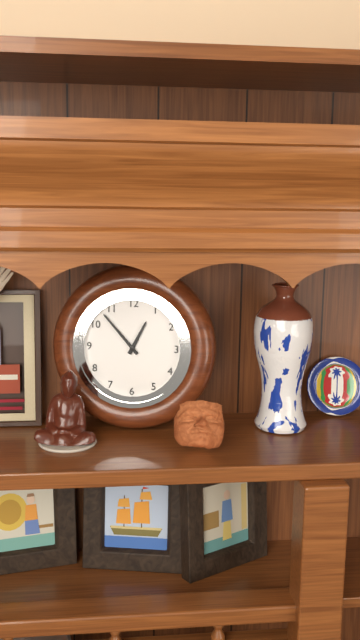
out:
12 h 53 min
